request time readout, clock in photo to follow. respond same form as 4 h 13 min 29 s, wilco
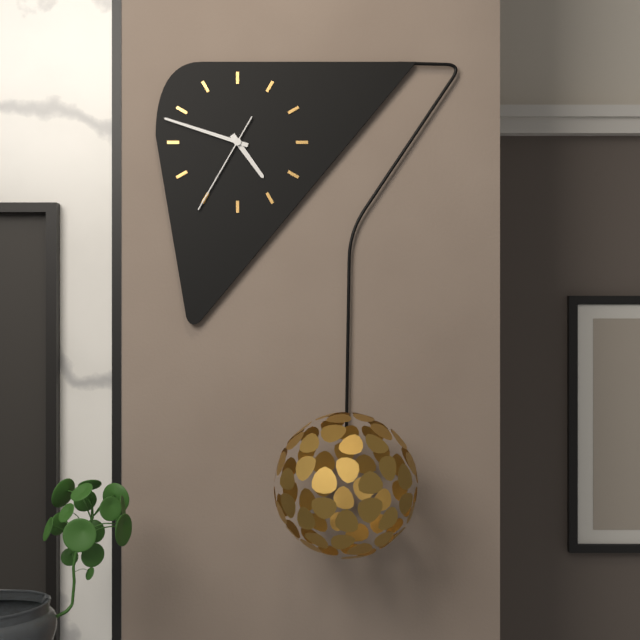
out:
4 h 48 min 35 s
